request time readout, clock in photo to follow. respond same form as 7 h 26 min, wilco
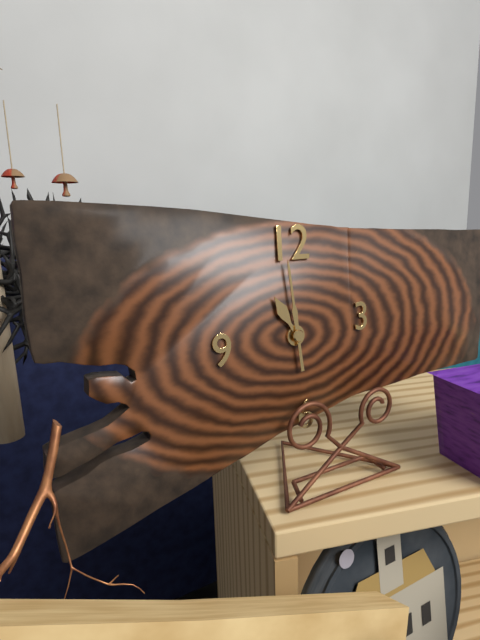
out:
10 h 59 min
